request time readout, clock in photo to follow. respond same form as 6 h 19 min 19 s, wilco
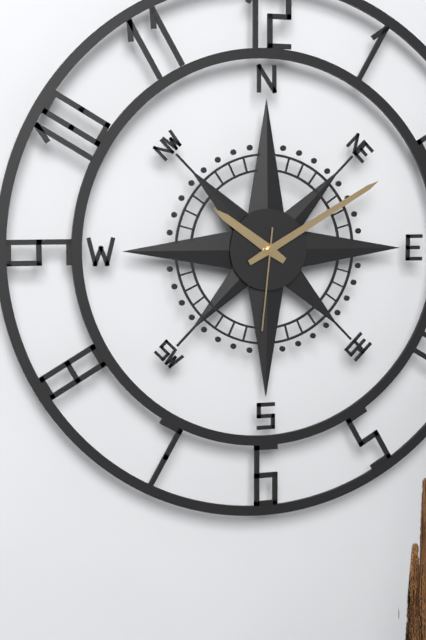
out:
10 h 10 min 31 s
